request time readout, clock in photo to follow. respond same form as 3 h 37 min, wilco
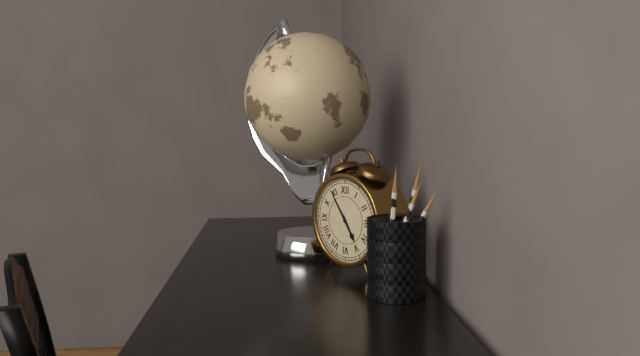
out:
4 h 54 min
